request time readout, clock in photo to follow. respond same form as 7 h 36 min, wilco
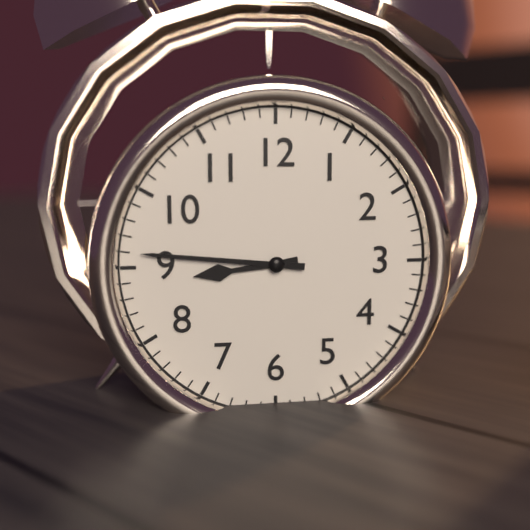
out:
8 h 46 min
